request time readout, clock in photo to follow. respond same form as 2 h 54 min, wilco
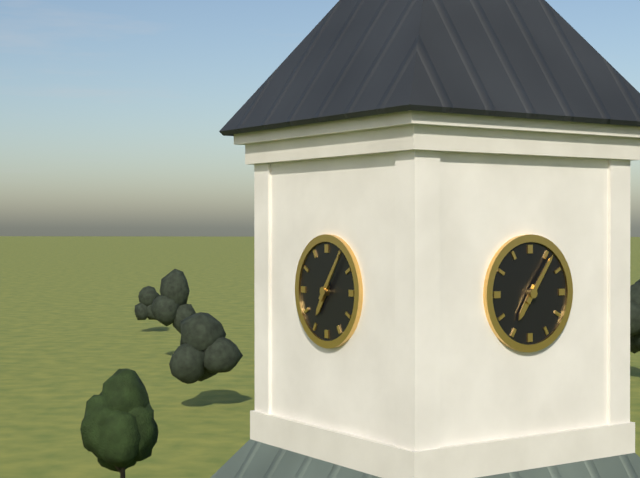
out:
7 h 06 min
